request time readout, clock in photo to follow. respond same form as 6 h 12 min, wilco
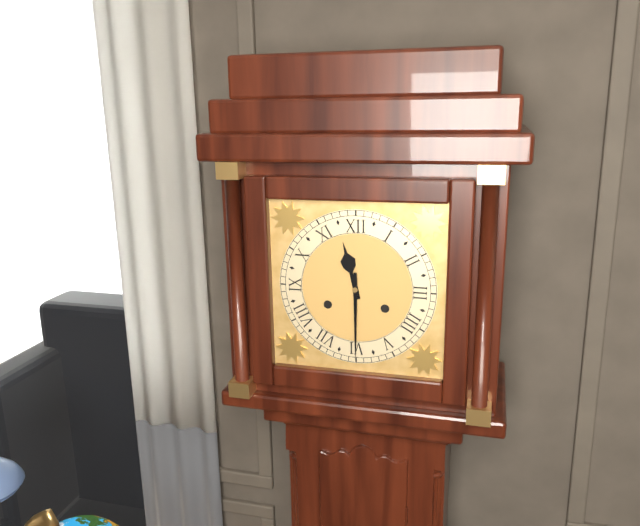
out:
11 h 30 min
